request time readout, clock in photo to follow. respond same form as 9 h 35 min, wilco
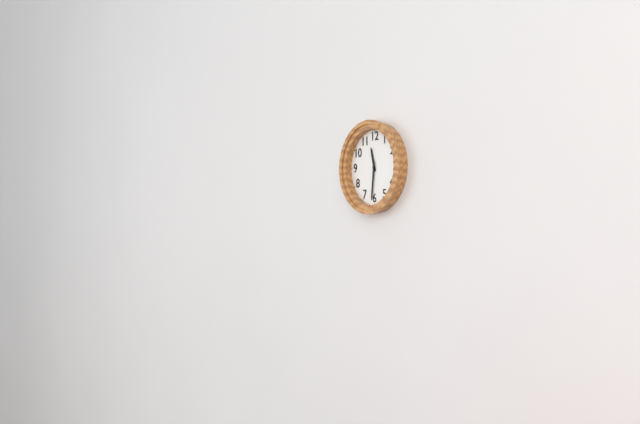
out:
11 h 31 min
